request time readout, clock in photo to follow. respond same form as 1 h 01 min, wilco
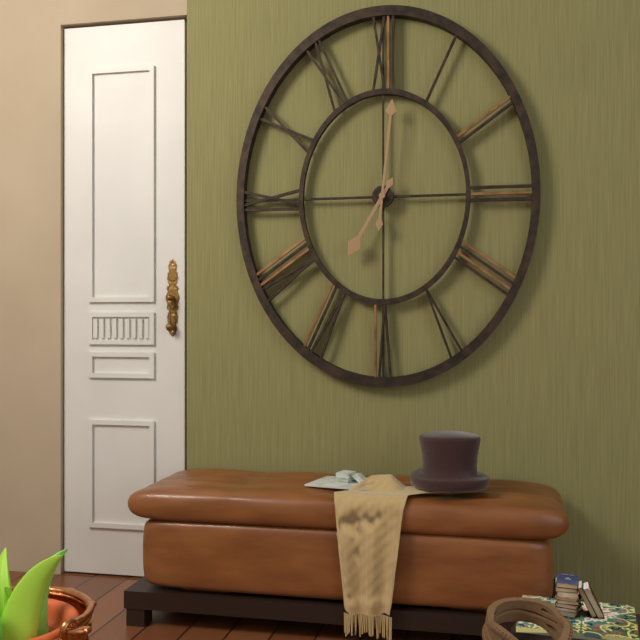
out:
7 h 01 min
